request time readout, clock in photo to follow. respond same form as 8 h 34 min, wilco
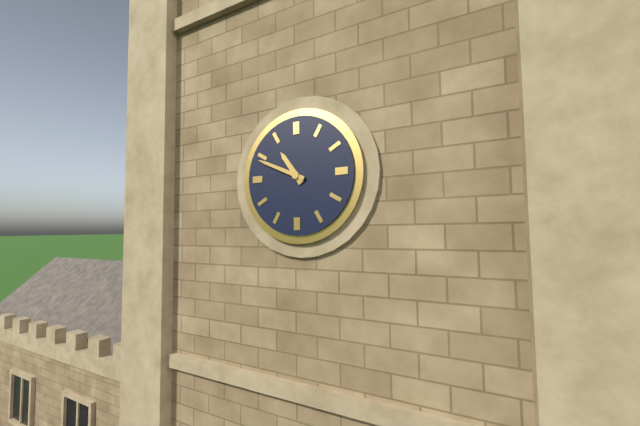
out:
10 h 49 min
